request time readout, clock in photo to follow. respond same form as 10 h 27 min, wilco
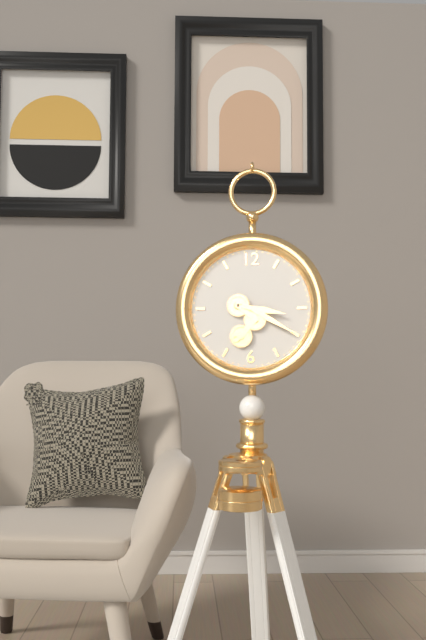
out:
3 h 20 min
